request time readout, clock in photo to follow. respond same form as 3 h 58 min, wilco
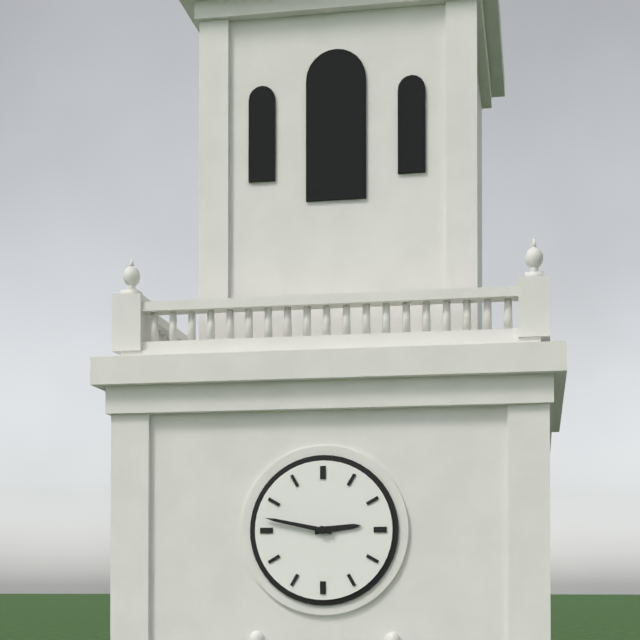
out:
2 h 47 min
